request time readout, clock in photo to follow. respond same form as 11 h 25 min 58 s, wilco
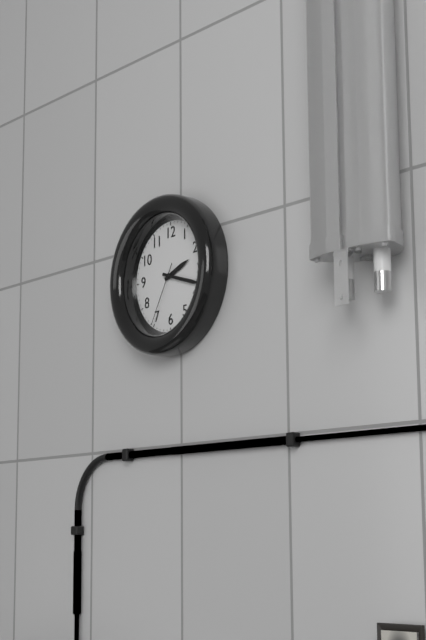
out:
2 h 18 min 35 s
